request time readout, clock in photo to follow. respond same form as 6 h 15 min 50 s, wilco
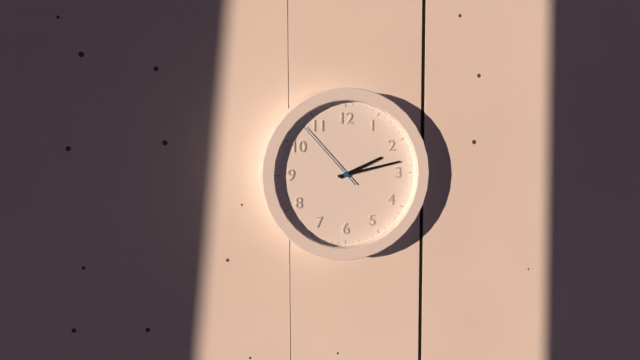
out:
2 h 13 min 53 s
